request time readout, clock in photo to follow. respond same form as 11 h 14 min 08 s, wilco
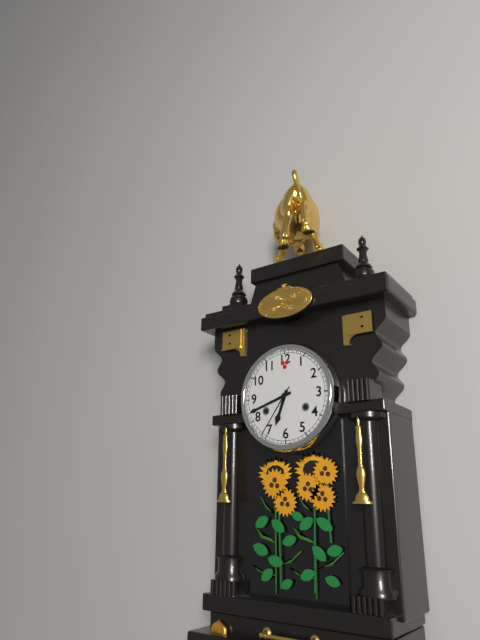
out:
6 h 42 min 36 s
